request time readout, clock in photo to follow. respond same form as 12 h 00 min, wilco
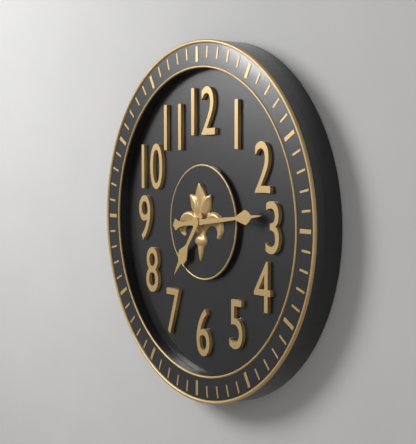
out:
7 h 14 min
